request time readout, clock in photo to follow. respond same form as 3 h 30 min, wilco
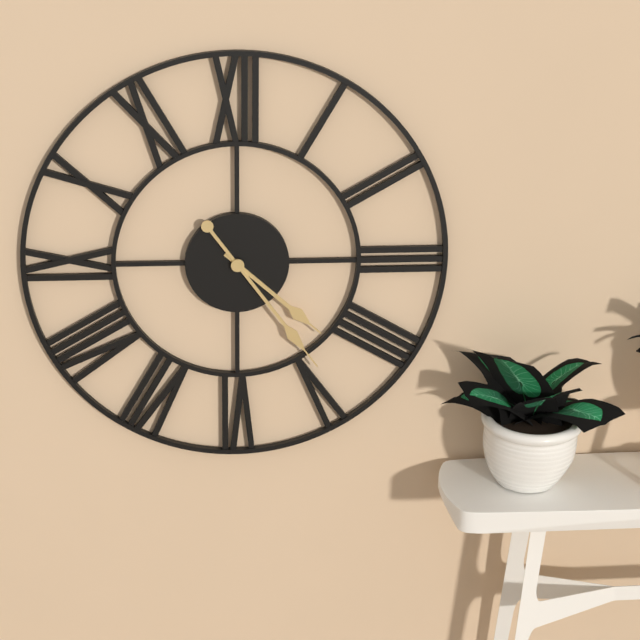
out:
4 h 24 min
